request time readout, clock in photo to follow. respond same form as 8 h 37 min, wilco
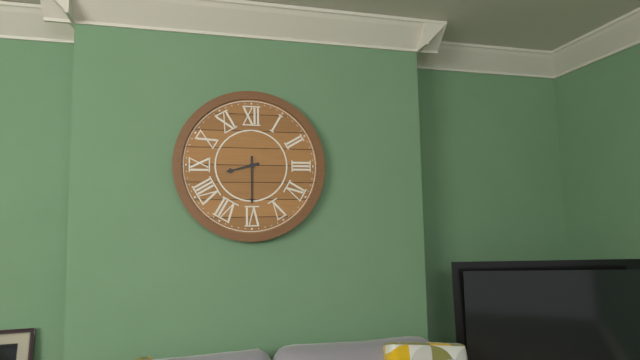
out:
8 h 30 min
